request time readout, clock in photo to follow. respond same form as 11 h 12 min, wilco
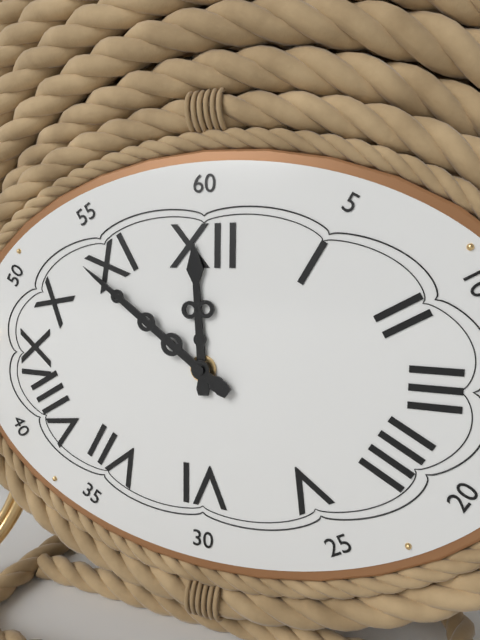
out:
11 h 51 min
